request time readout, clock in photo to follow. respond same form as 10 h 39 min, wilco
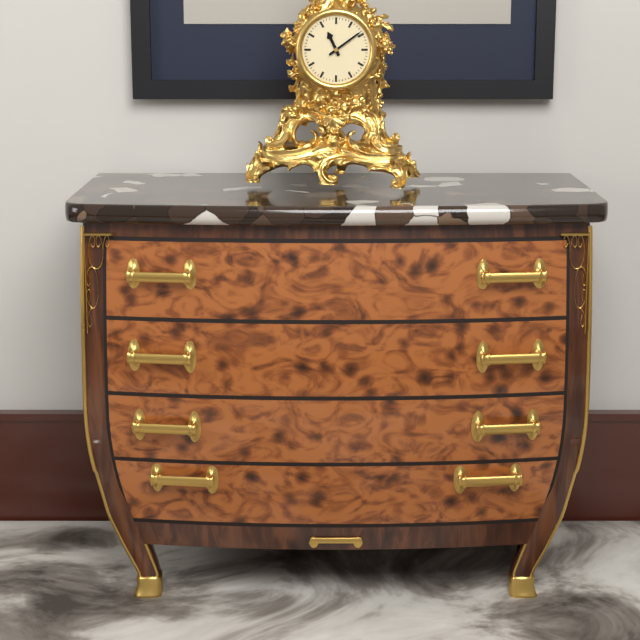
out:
11 h 09 min
